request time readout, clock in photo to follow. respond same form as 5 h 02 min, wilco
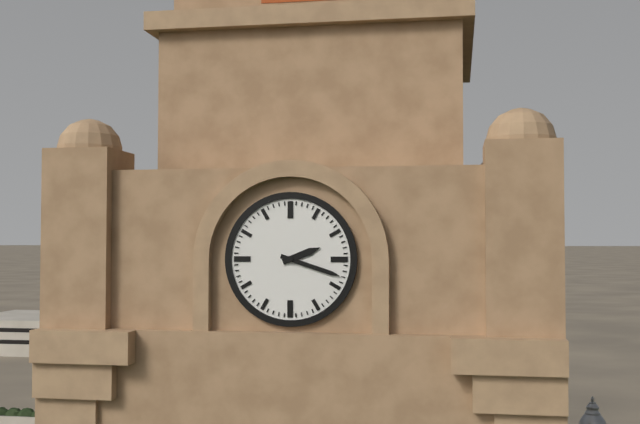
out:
2 h 18 min
